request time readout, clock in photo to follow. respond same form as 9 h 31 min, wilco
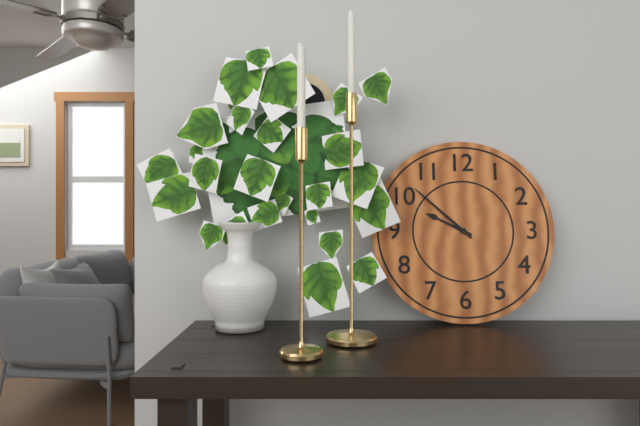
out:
9 h 52 min
